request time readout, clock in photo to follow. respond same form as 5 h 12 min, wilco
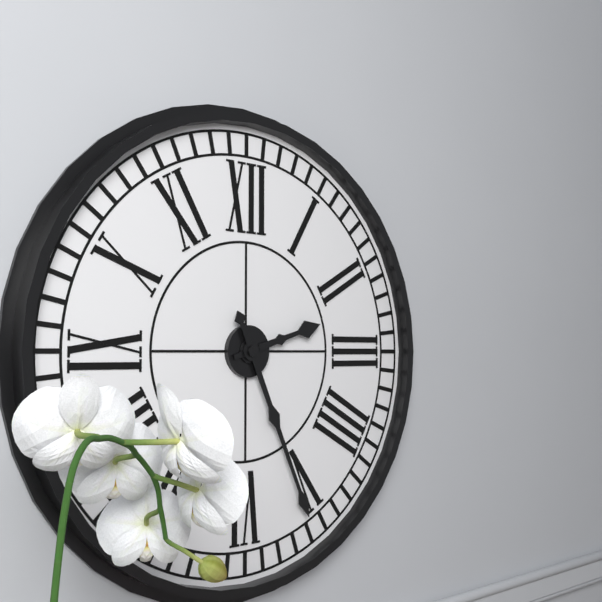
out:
2 h 26 min
